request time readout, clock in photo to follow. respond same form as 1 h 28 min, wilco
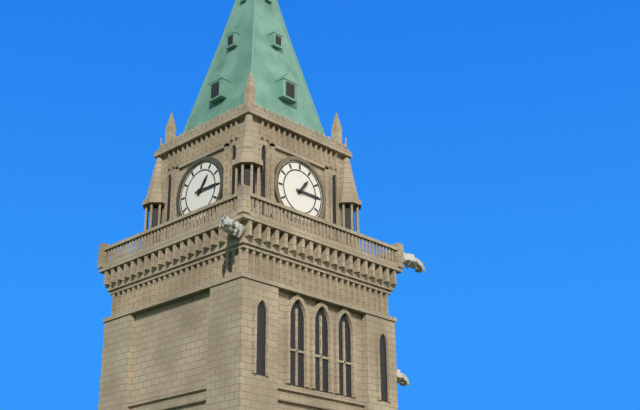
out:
1 h 15 min
